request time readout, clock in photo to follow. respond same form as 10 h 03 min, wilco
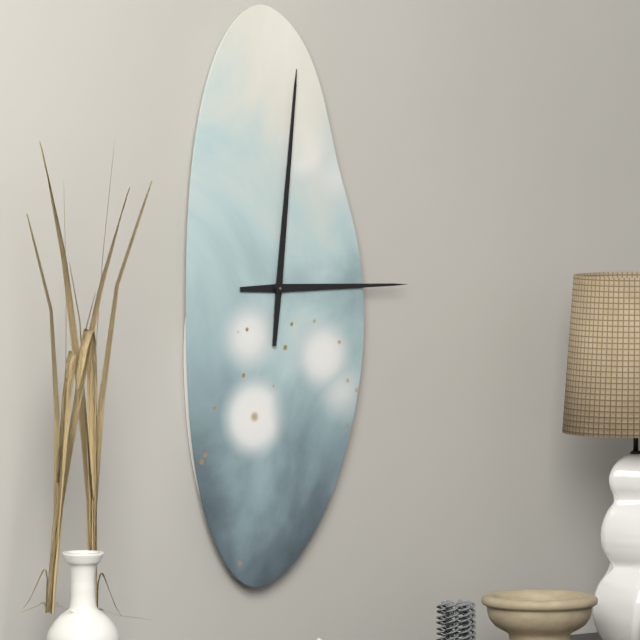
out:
3 h 01 min
